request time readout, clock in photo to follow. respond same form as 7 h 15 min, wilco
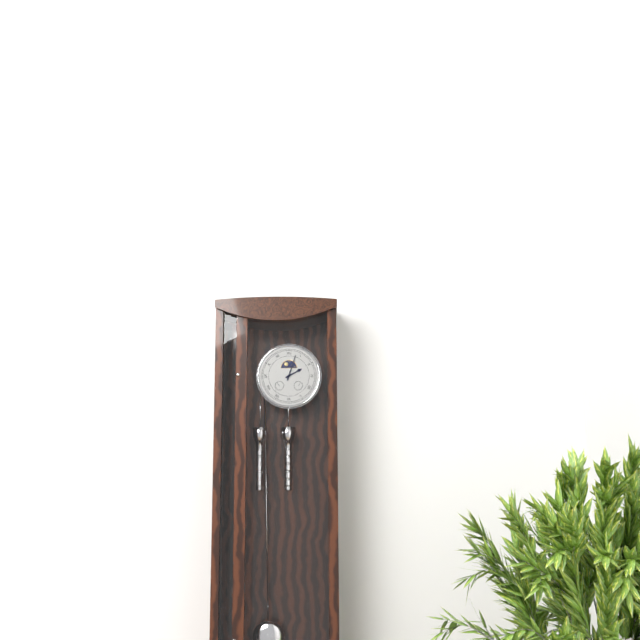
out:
2 h 03 min
